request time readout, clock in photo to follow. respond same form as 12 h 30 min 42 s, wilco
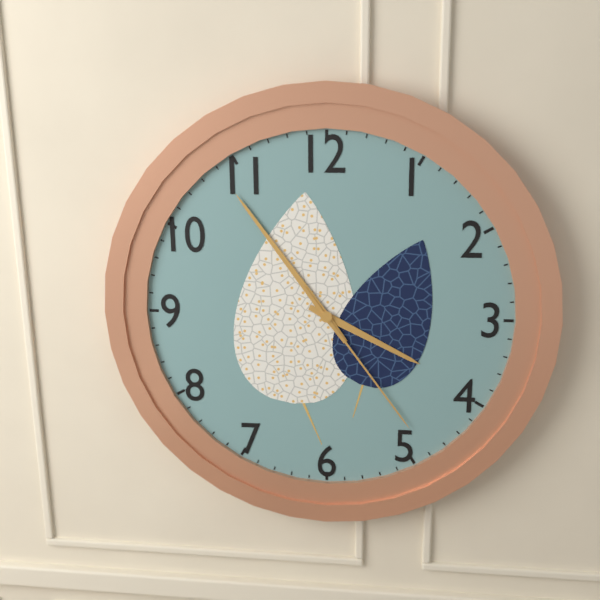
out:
3 h 54 min 24 s
